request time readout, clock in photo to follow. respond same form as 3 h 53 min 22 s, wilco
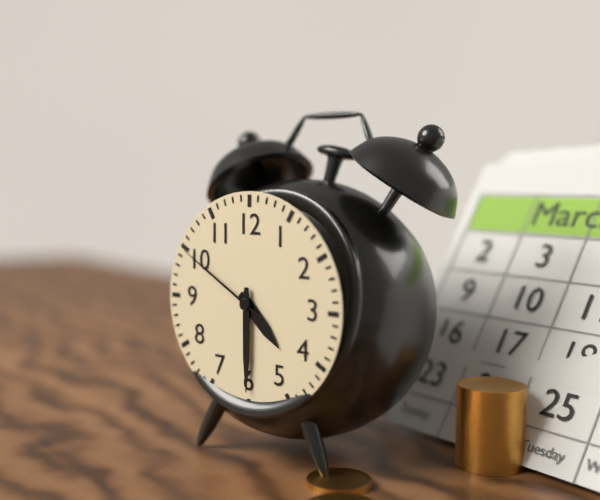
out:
4 h 30 min 50 s
